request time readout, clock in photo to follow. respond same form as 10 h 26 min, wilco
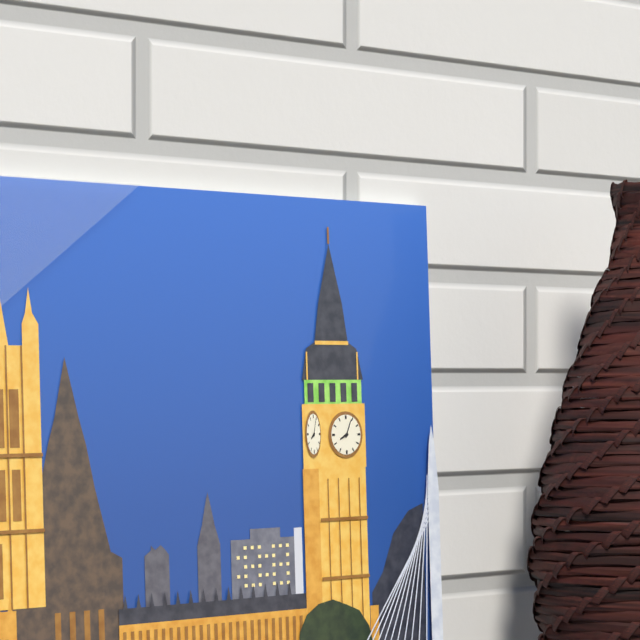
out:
8 h 04 min
